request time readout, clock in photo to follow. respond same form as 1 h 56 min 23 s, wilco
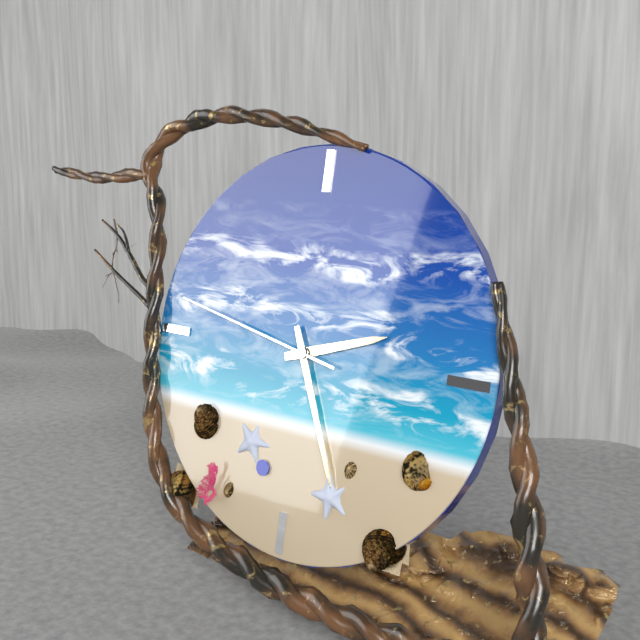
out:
2 h 26 min 47 s
